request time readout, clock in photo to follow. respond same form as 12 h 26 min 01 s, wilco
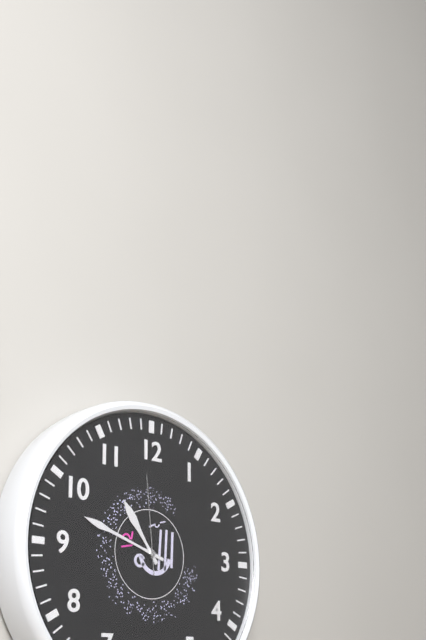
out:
10 h 48 min 59 s
